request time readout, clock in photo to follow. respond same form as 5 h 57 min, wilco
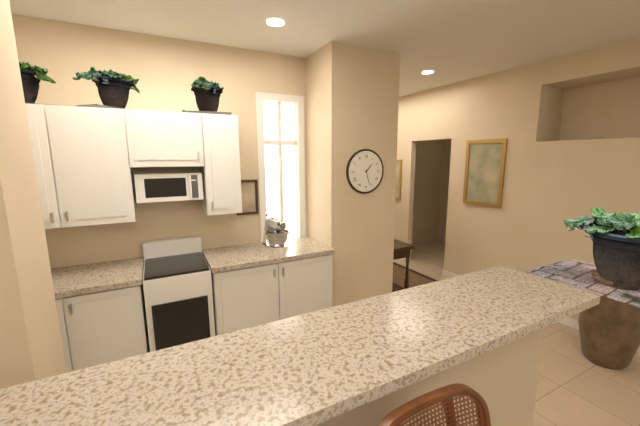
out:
1 h 27 min
